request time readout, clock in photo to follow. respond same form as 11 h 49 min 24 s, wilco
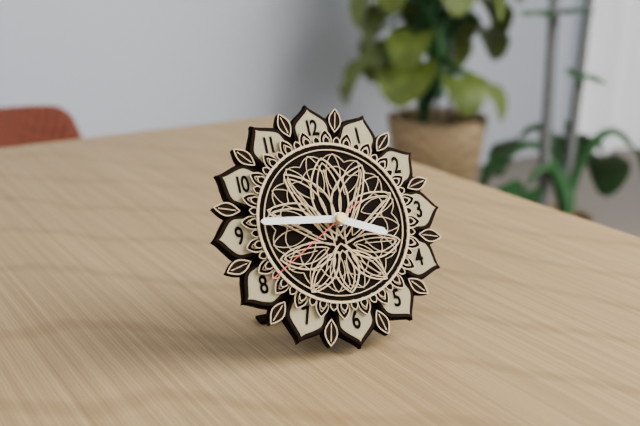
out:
3 h 46 min 40 s
